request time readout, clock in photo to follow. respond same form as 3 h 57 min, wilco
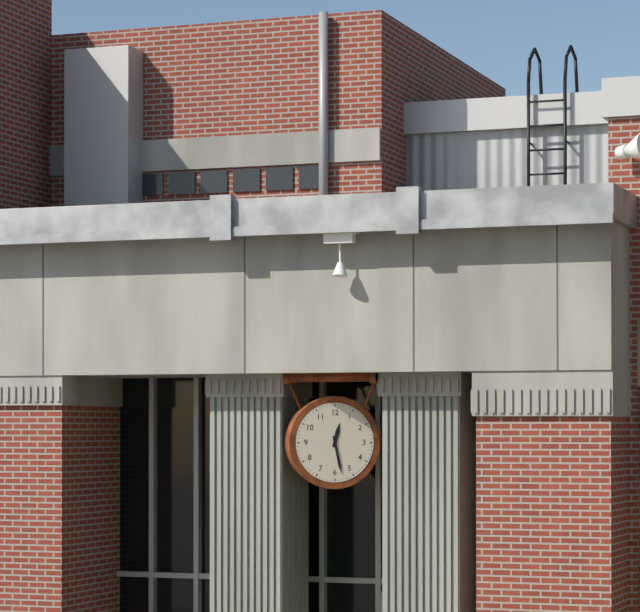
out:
12 h 28 min
